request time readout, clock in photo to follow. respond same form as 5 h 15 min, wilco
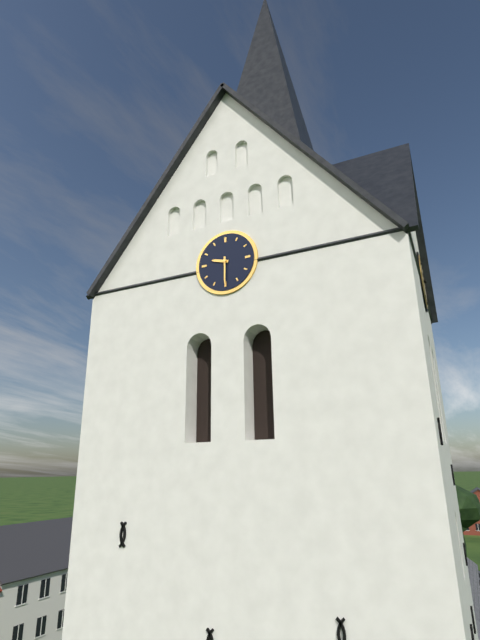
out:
9 h 30 min
